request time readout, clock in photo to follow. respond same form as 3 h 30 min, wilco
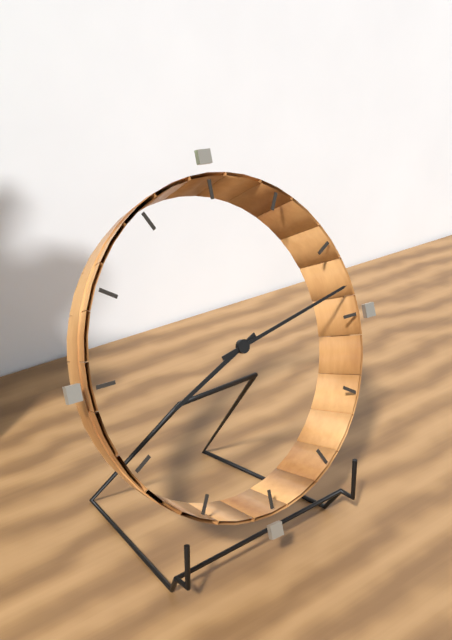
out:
8 h 13 min
